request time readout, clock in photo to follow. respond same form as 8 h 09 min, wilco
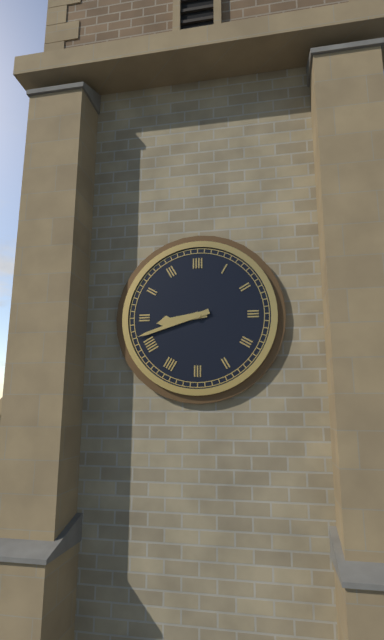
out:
8 h 42 min
